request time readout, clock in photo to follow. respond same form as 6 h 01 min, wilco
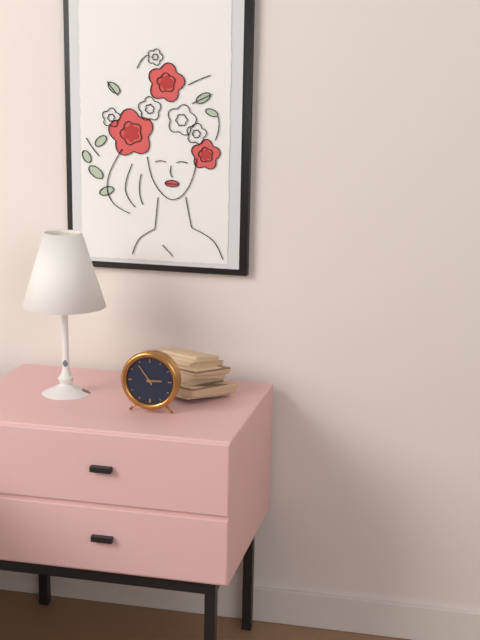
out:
2 h 54 min
